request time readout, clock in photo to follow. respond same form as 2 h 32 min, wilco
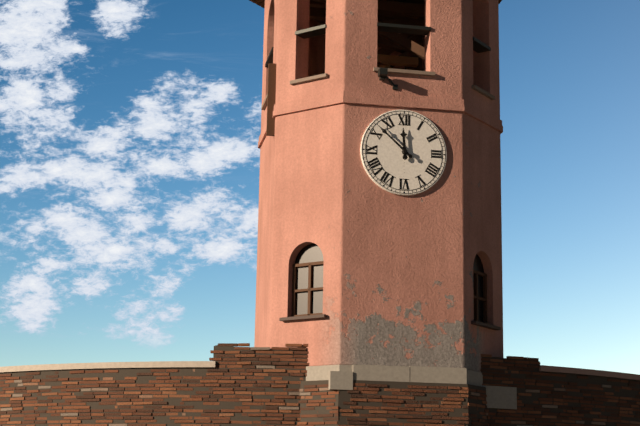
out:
11 h 52 min
